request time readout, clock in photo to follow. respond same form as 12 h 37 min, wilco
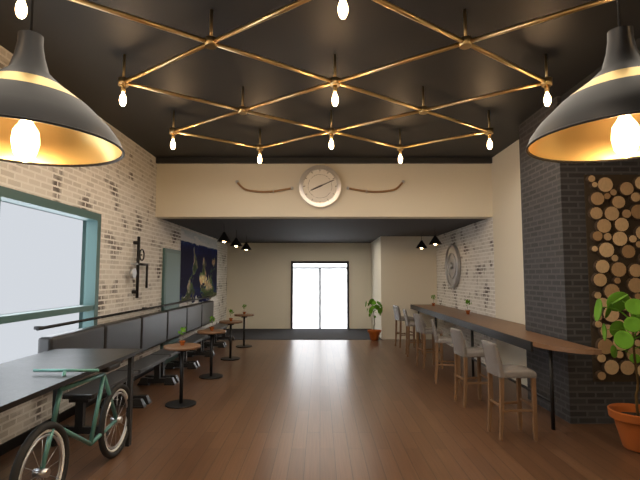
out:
8 h 11 min
